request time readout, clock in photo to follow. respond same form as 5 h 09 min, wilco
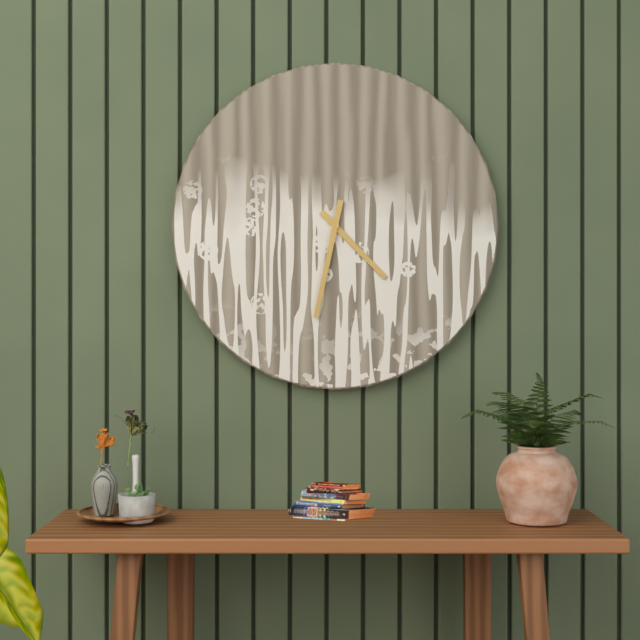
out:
4 h 32 min
